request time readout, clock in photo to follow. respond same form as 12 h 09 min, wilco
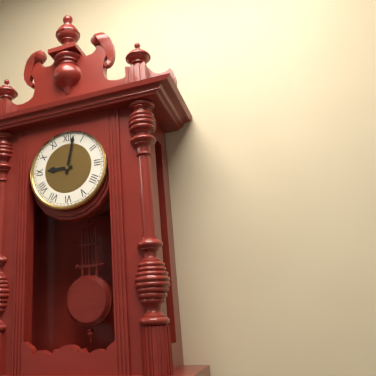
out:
9 h 02 min
